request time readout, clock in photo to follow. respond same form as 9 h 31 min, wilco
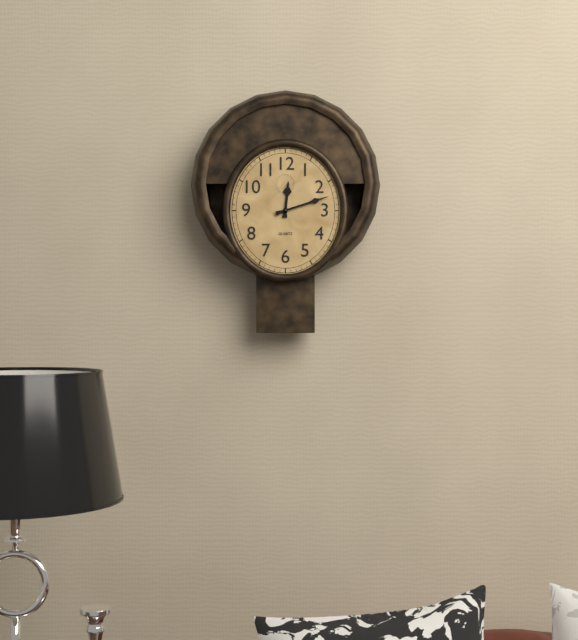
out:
12 h 12 min
